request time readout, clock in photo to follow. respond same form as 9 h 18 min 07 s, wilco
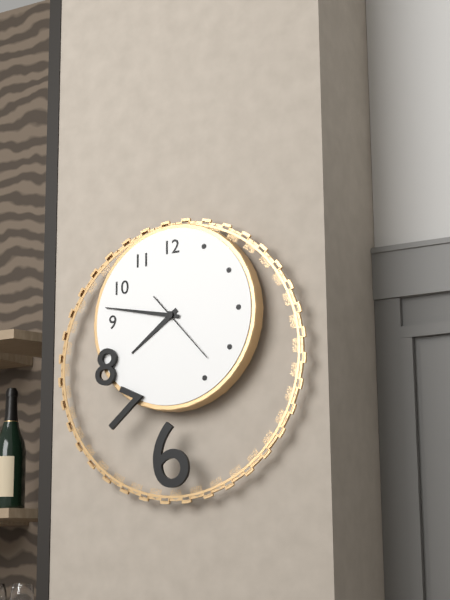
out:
7 h 47 min 23 s
